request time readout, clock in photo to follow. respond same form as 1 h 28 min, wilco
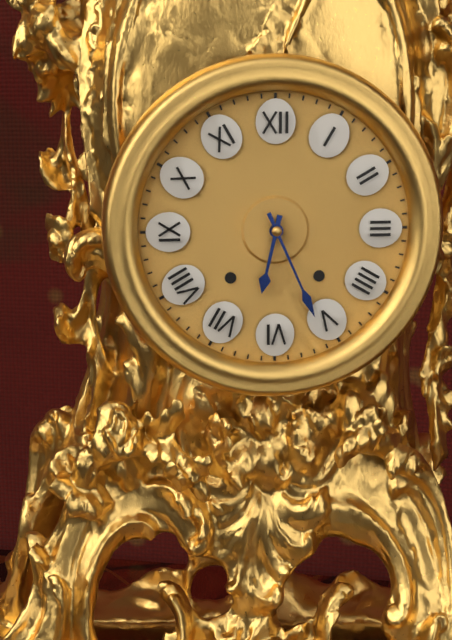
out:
6 h 26 min
